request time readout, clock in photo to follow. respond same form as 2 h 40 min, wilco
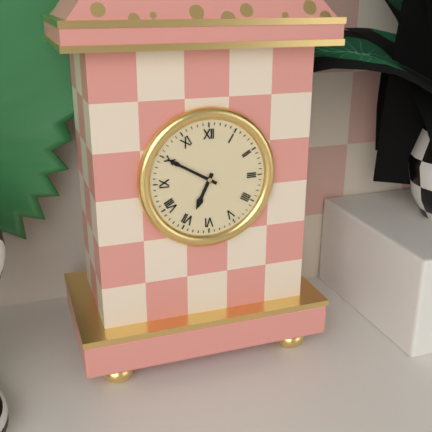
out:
6 h 50 min
